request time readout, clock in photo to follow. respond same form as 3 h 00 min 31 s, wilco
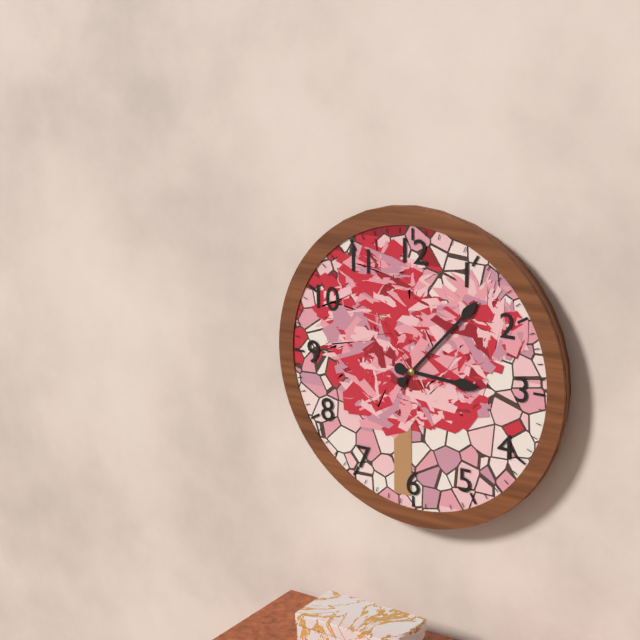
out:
3 h 07 min 54 s
